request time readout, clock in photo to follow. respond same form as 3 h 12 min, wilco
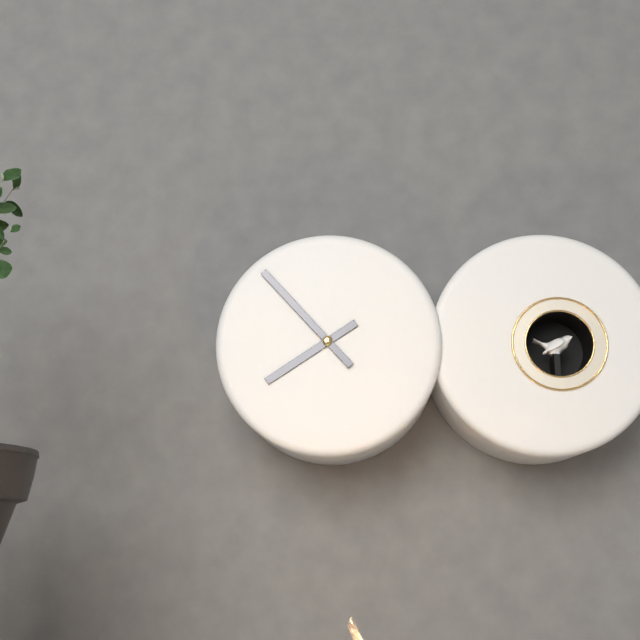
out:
7 h 53 min
